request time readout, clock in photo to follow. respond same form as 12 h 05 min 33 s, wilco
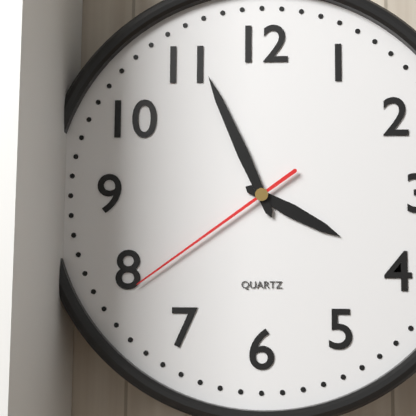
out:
3 h 56 min 39 s
